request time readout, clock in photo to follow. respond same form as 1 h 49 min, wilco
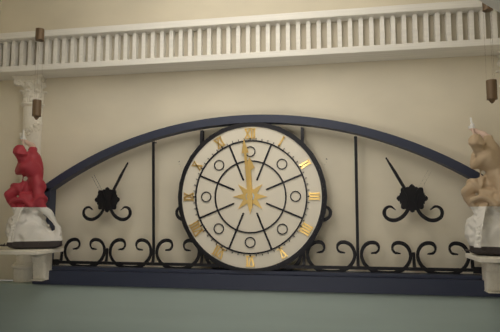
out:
11 h 59 min
